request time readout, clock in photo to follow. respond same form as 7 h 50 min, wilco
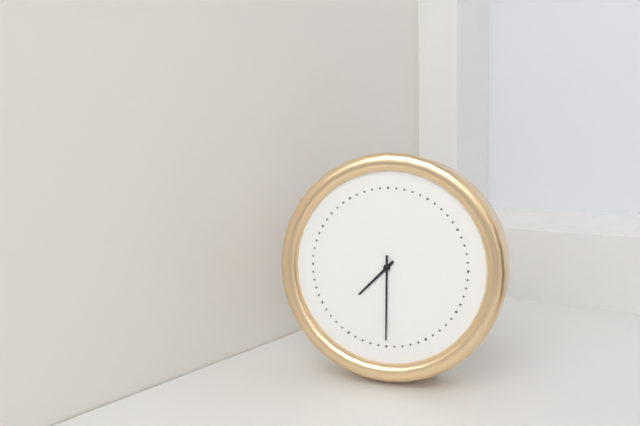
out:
7 h 30 min
